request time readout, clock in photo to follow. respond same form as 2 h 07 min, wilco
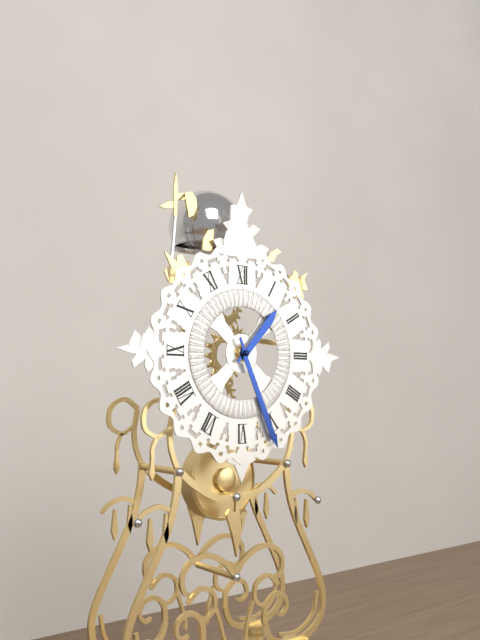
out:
1 h 26 min
